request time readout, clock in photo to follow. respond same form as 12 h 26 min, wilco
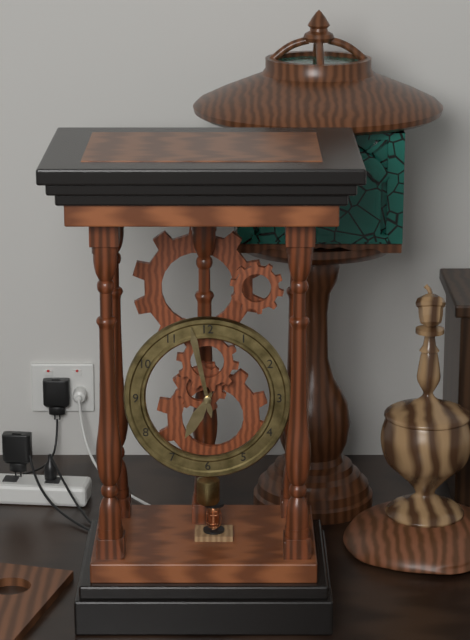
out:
6 h 58 min
